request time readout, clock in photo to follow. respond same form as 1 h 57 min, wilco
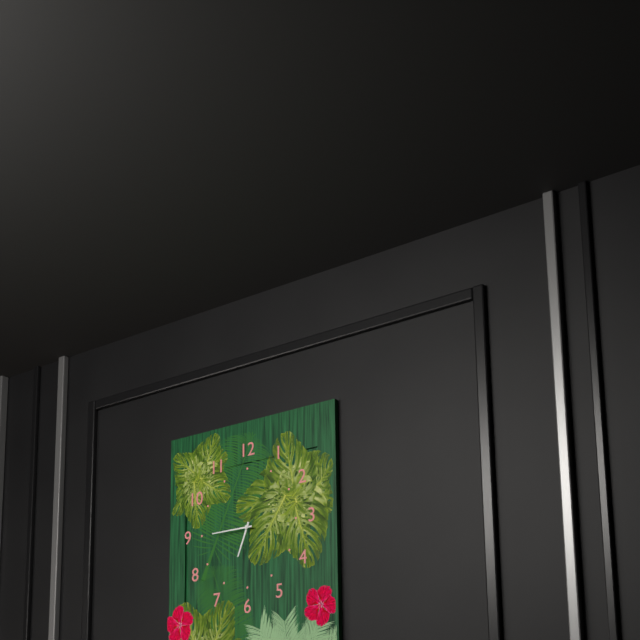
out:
6 h 45 min
